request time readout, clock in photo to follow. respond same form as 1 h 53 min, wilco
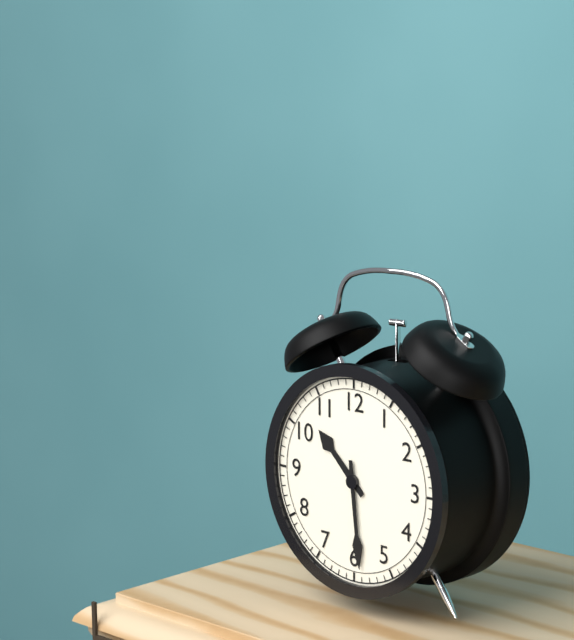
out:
10 h 29 min
